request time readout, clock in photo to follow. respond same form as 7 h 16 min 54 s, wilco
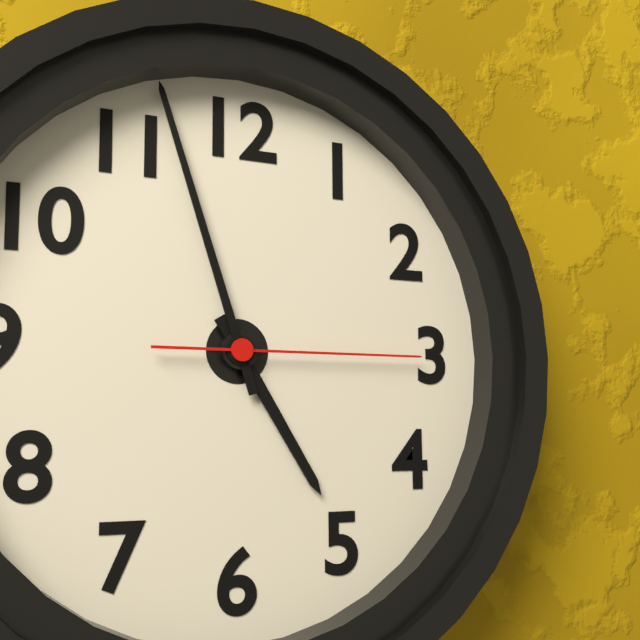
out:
4 h 57 min 15 s
